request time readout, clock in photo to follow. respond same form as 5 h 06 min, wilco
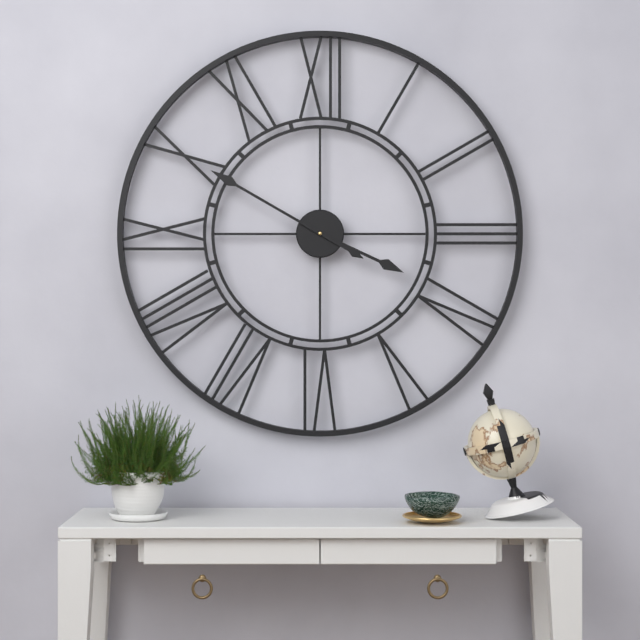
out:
3 h 50 min
